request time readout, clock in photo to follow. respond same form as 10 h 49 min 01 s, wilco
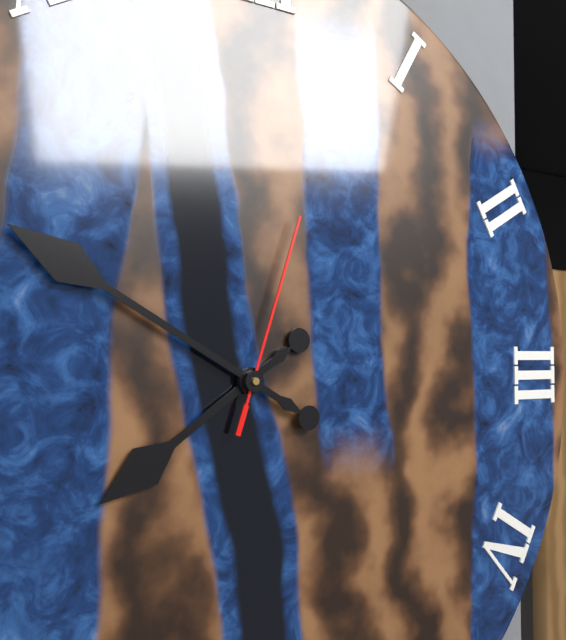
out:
7 h 50 min 03 s
